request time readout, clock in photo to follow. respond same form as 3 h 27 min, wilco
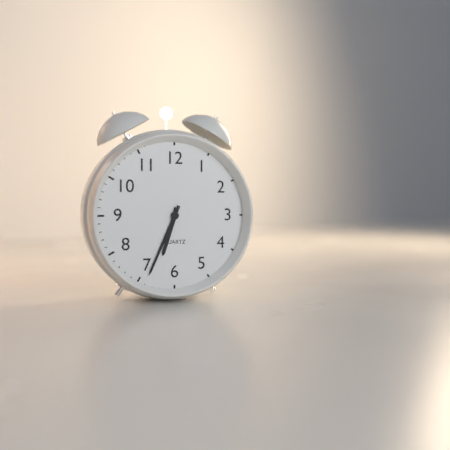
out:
6 h 34 min
